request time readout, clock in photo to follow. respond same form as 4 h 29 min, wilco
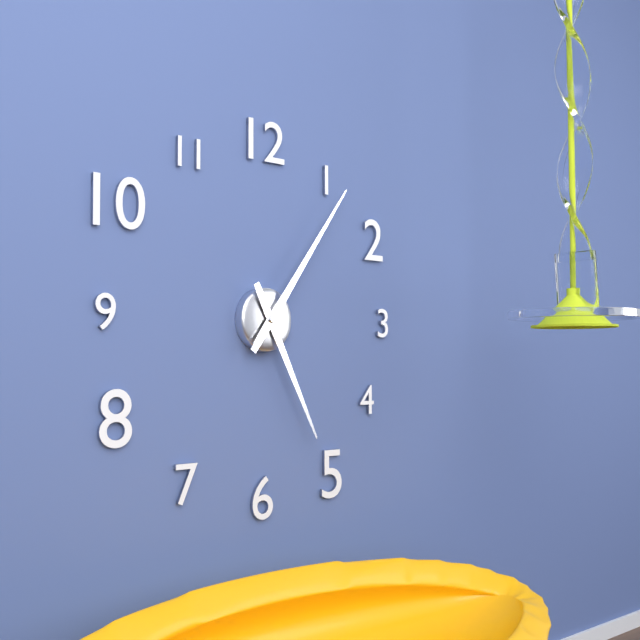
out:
5 h 06 min
